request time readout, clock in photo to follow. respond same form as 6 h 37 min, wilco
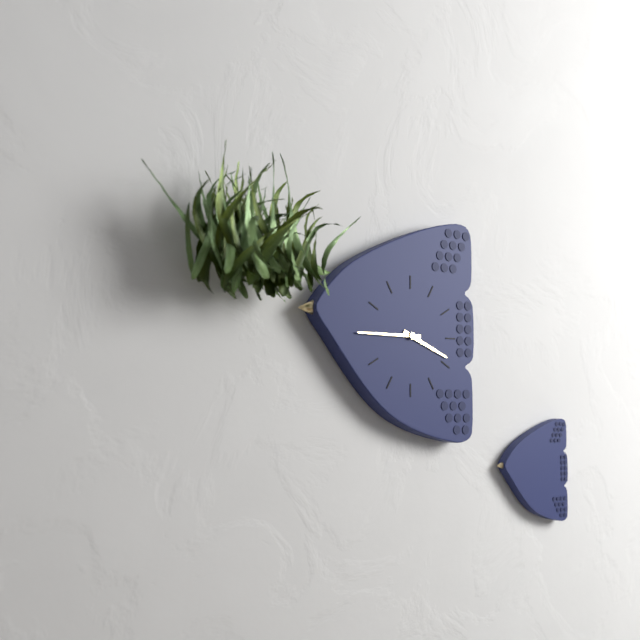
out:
3 h 45 min
